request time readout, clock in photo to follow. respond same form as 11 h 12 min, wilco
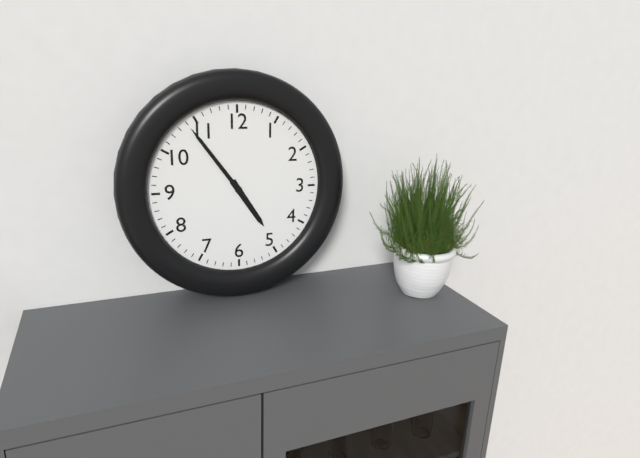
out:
4 h 54 min
